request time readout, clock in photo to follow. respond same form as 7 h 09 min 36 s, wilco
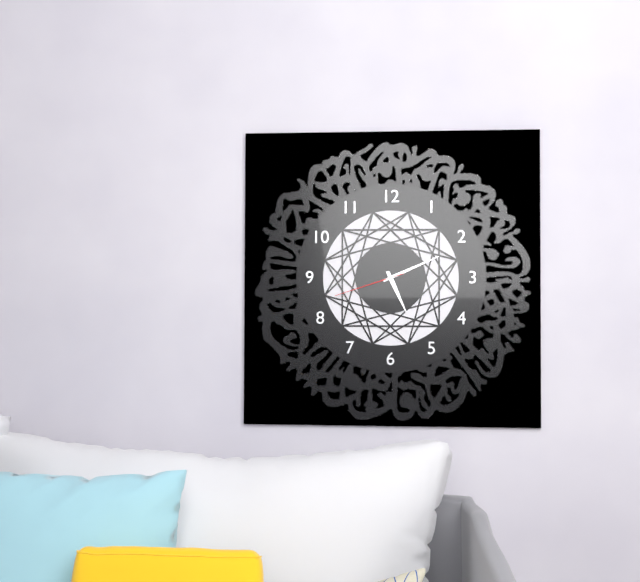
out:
5 h 11 min 42 s
